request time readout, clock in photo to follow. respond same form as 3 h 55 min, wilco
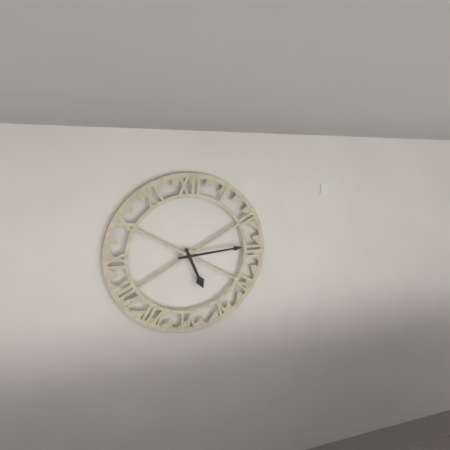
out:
5 h 14 min
